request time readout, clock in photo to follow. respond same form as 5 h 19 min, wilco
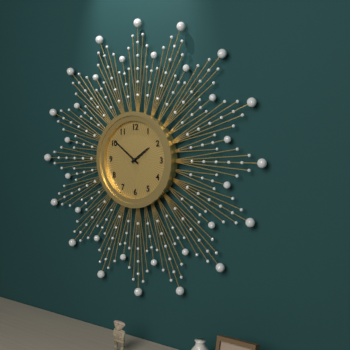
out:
1 h 51 min
